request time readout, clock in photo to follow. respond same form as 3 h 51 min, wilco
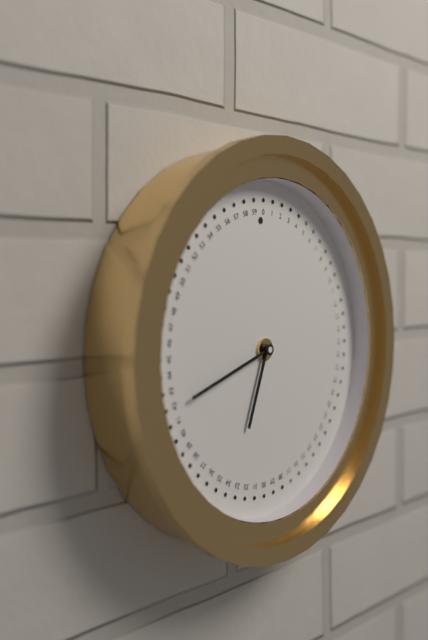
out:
6 h 42 min
